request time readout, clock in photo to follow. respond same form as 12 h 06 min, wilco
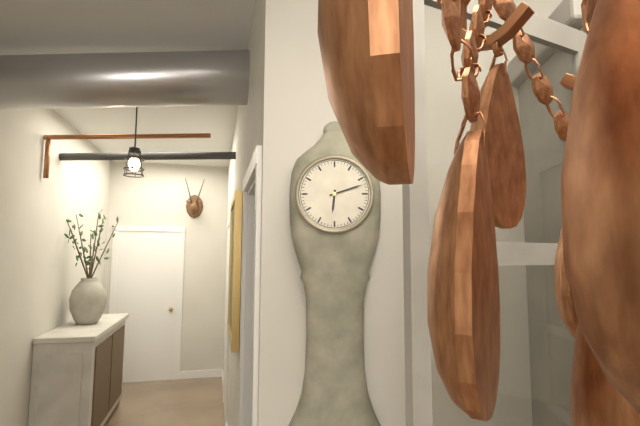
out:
6 h 12 min
